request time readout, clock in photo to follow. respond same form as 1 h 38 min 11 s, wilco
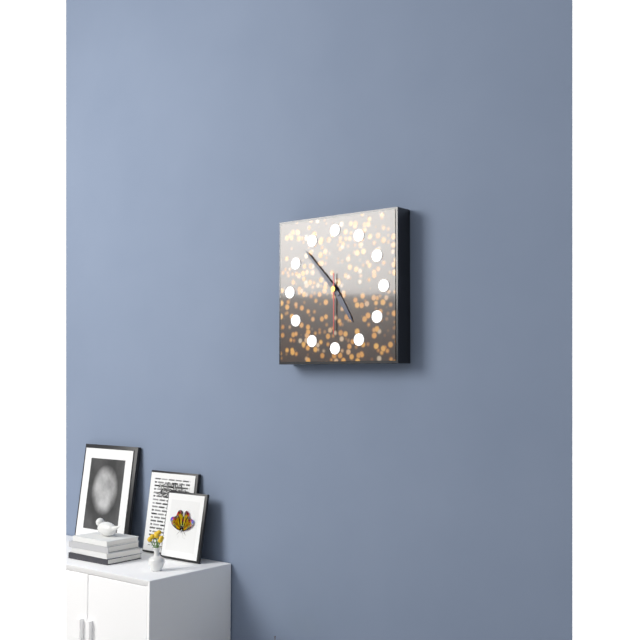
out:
4 h 53 min 30 s
